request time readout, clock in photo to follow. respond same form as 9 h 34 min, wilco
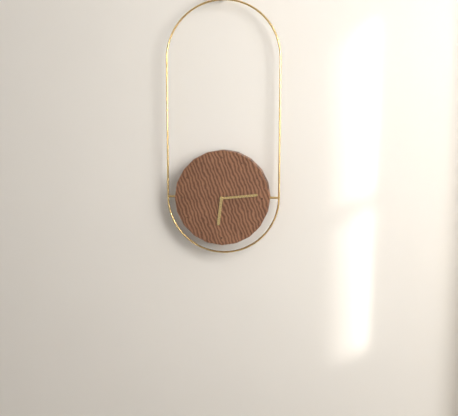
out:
6 h 14 min
